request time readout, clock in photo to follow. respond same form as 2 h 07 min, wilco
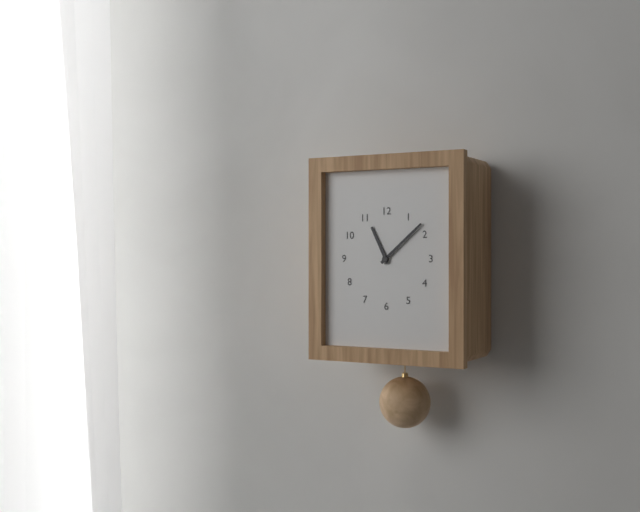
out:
11 h 08 min
